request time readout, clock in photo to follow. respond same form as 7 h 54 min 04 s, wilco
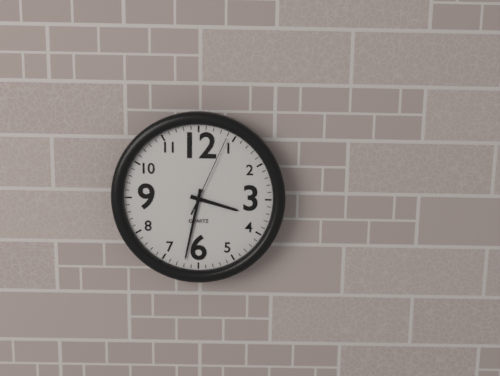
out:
3 h 32 min 04 s
